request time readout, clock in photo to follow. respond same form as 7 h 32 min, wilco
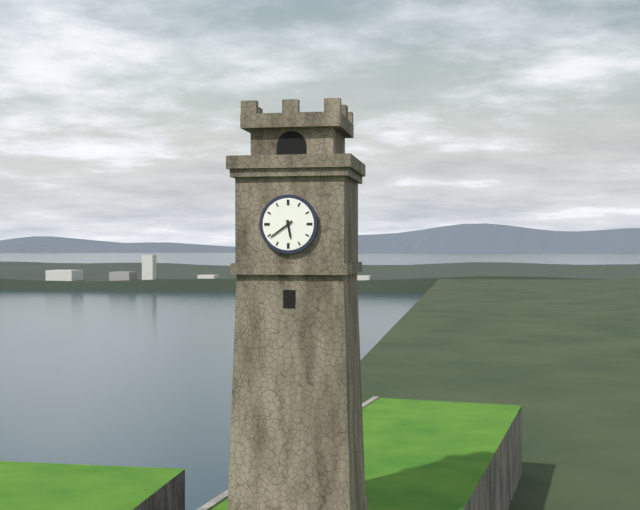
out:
5 h 39 min
